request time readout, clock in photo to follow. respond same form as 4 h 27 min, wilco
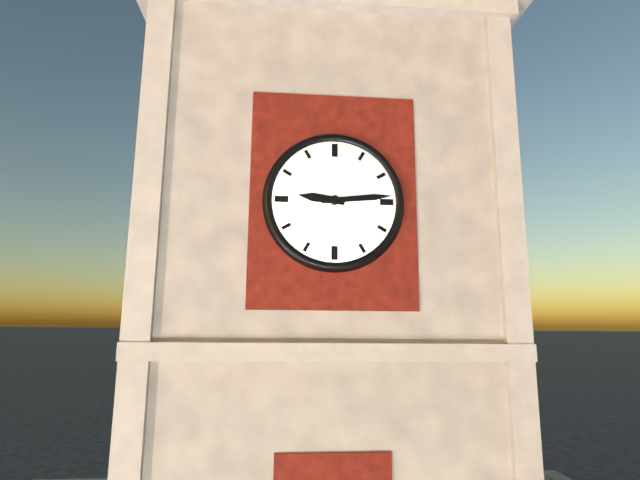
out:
9 h 14 min
